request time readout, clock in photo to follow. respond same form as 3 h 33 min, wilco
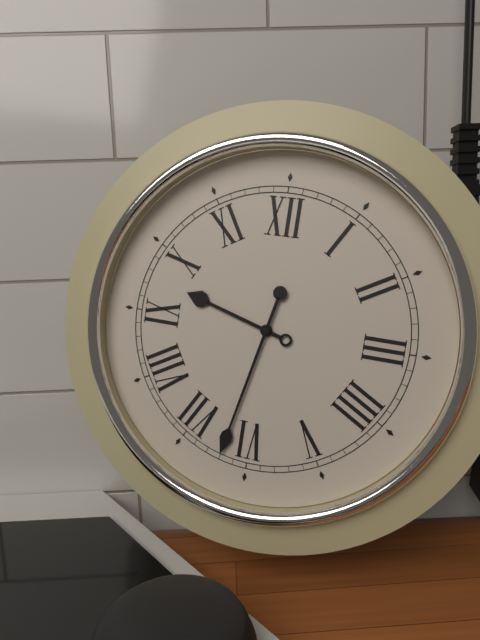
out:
9 h 32 min
